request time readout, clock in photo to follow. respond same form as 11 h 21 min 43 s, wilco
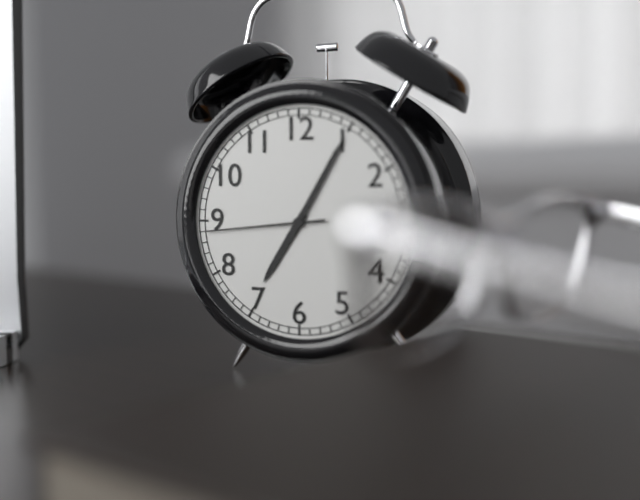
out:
7 h 05 min 44 s
